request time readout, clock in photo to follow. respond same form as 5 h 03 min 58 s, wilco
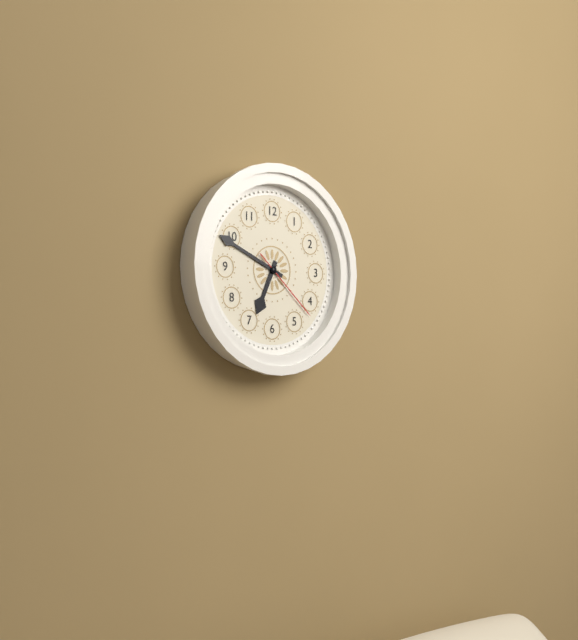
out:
6 h 49 min 22 s
